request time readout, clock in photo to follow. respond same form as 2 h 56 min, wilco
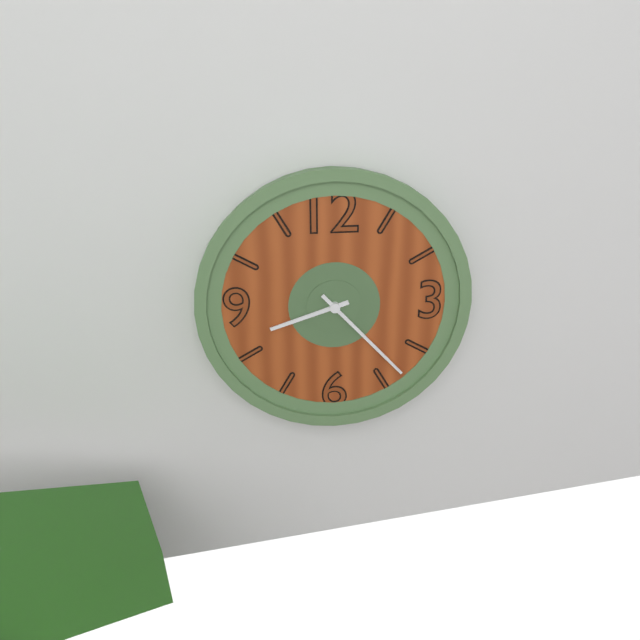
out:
8 h 23 min
